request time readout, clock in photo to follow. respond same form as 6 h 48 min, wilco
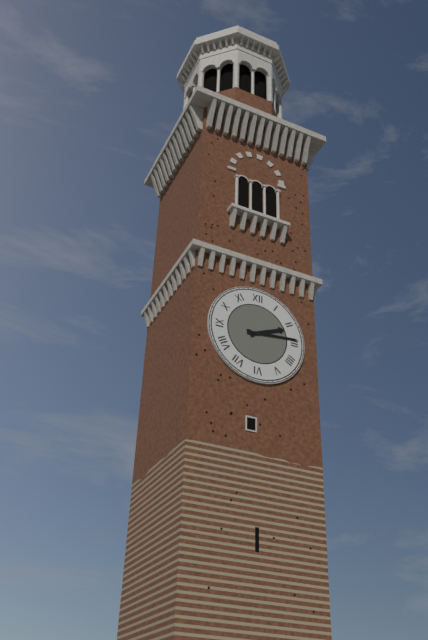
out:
2 h 14 min
